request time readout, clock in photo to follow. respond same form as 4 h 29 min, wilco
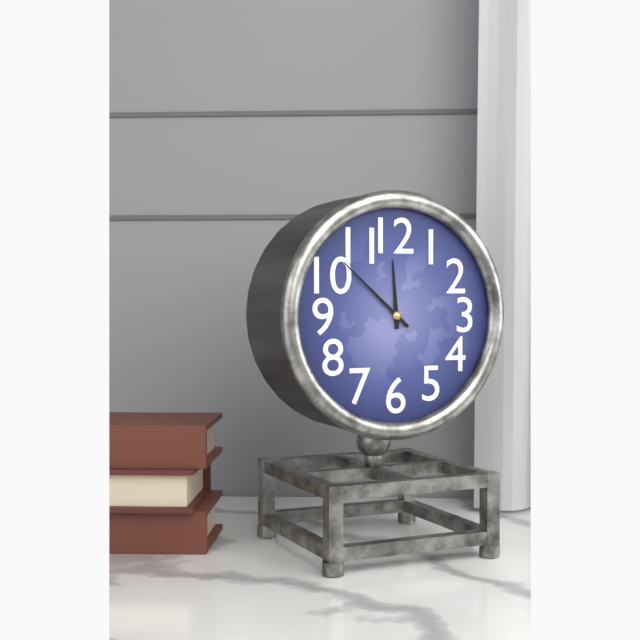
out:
11 h 52 min
